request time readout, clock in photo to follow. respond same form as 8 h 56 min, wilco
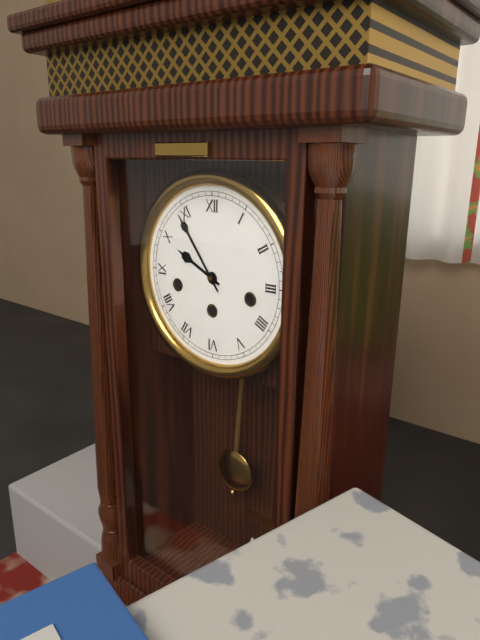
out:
9 h 54 min
